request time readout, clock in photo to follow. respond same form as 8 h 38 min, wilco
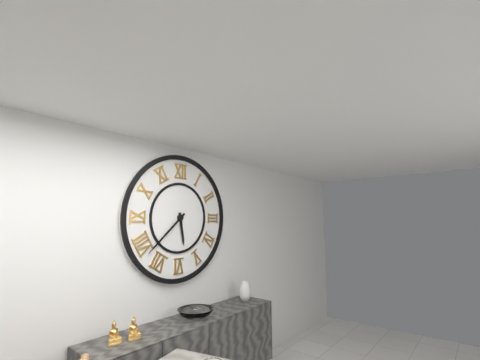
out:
5 h 38 min
